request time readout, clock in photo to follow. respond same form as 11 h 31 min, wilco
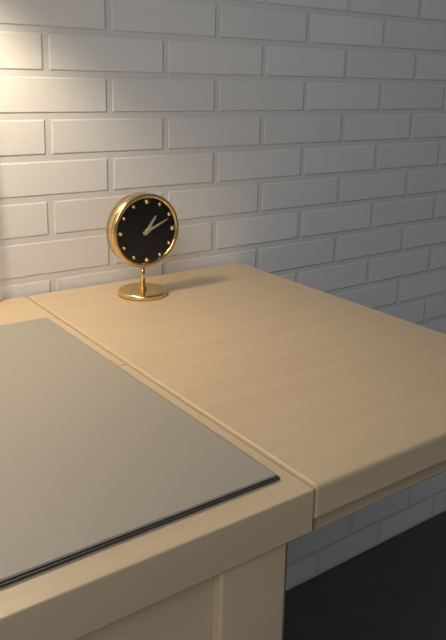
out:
1 h 11 min
